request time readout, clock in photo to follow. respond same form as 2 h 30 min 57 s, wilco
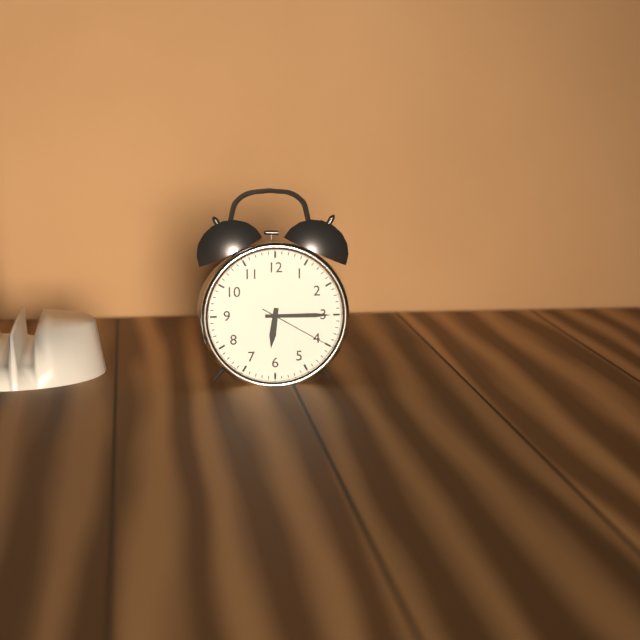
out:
6 h 15 min 20 s
